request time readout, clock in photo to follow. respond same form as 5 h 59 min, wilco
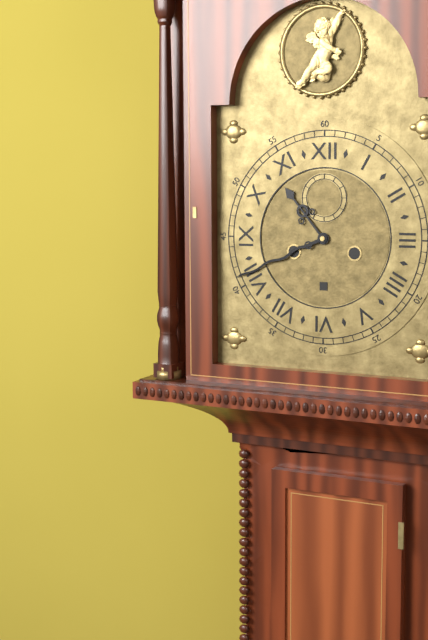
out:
10 h 41 min
